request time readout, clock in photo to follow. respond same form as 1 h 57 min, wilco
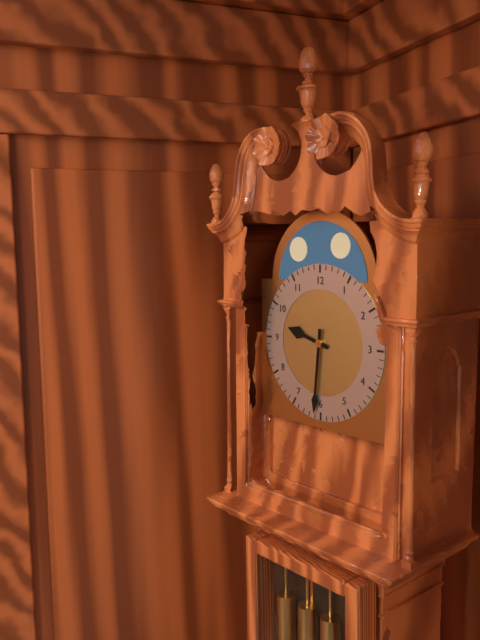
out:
9 h 31 min
